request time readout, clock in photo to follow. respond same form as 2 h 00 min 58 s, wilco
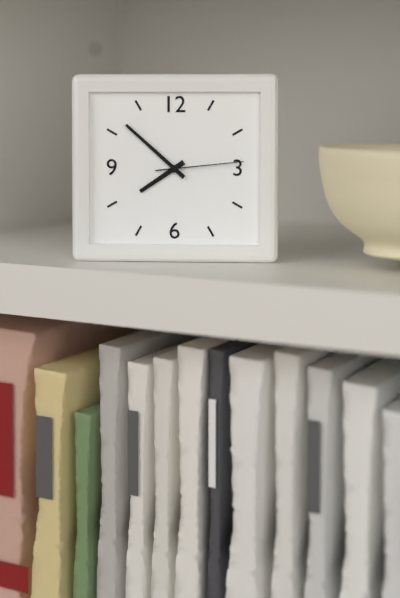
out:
7 h 52 min 14 s
